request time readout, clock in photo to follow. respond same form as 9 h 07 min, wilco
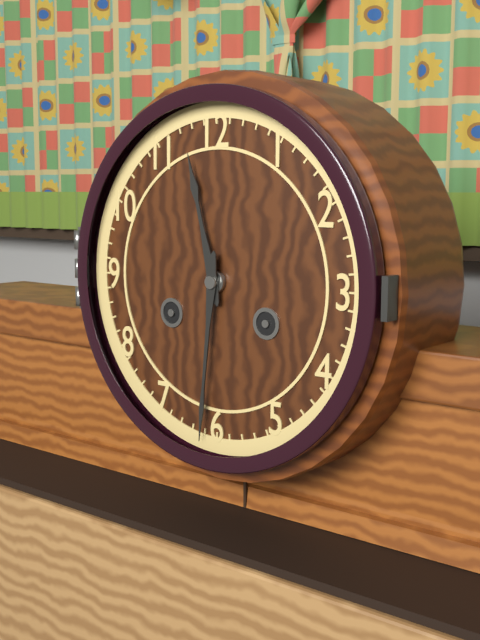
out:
11 h 31 min
